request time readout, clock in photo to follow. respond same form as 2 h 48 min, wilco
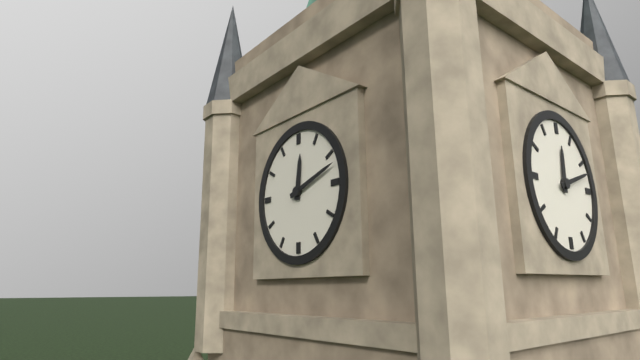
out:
12 h 12 min
